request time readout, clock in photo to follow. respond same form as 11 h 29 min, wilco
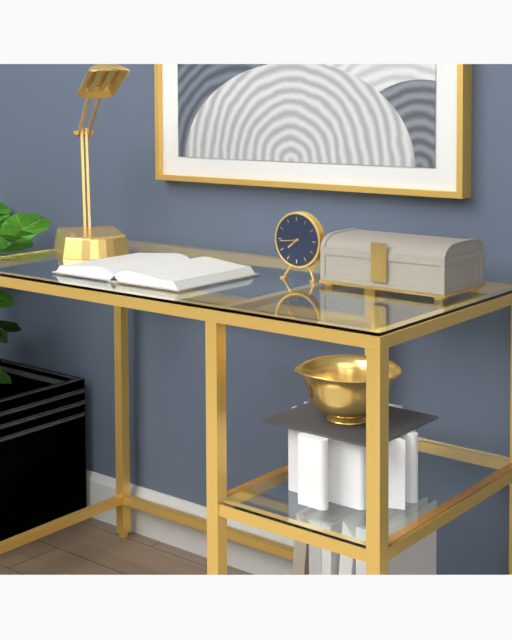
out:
7 h 44 min
